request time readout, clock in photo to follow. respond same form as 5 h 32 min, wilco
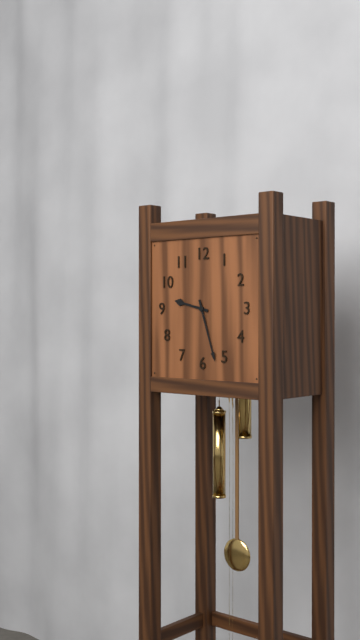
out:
9 h 27 min
